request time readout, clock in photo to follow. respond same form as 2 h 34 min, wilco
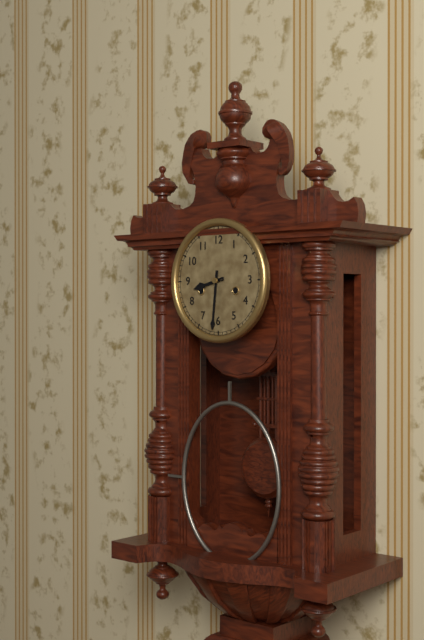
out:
8 h 31 min
